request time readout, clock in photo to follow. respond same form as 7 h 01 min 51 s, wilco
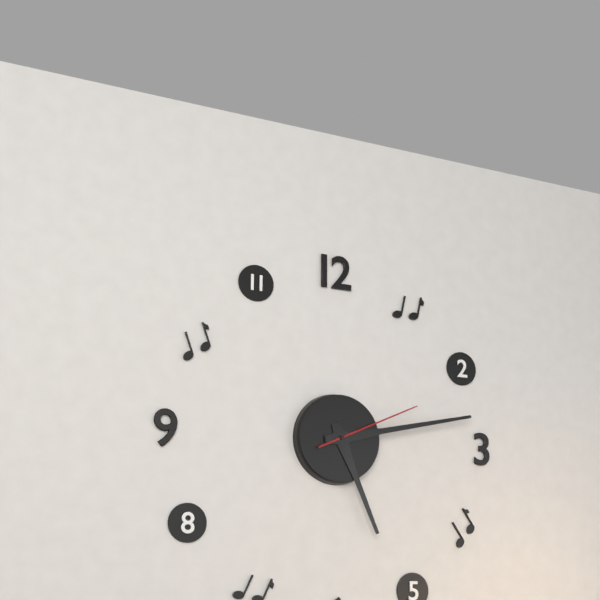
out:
5 h 13 min 11 s
